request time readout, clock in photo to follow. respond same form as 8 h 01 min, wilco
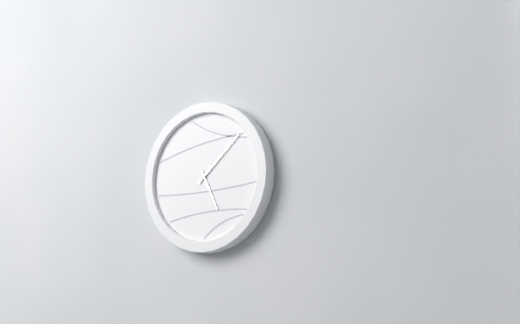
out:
5 h 08 min
